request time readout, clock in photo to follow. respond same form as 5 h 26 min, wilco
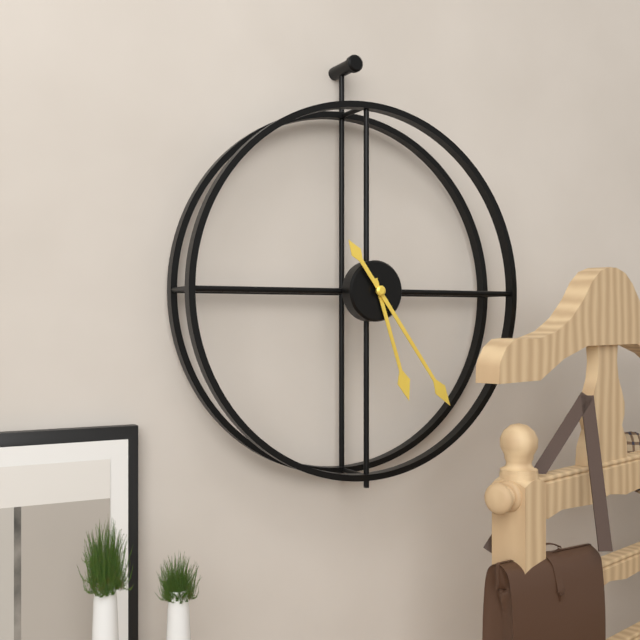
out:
5 h 24 min
